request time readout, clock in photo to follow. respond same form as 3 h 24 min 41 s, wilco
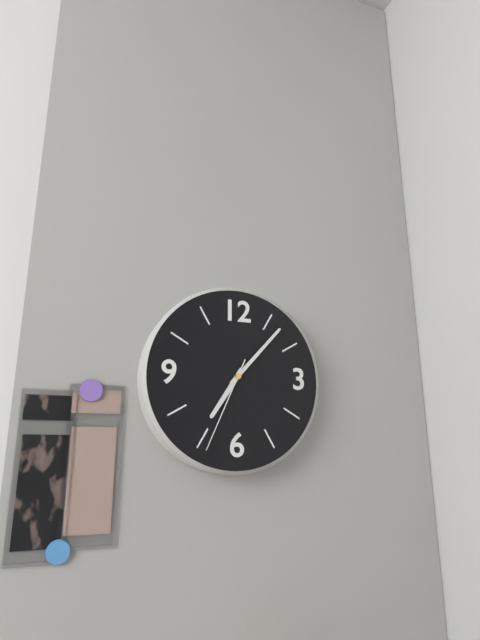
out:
7 h 07 min 34 s
